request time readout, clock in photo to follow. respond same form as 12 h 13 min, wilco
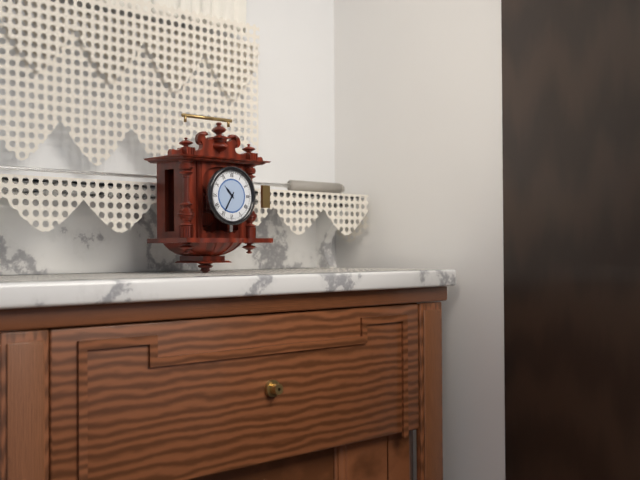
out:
10 h 35 min
